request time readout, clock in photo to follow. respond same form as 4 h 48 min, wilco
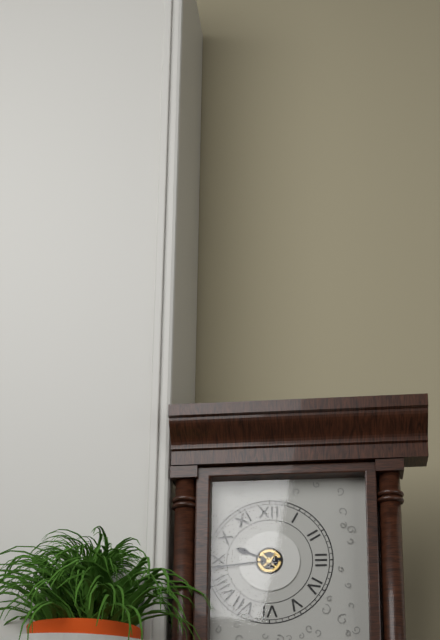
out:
9 h 44 min
